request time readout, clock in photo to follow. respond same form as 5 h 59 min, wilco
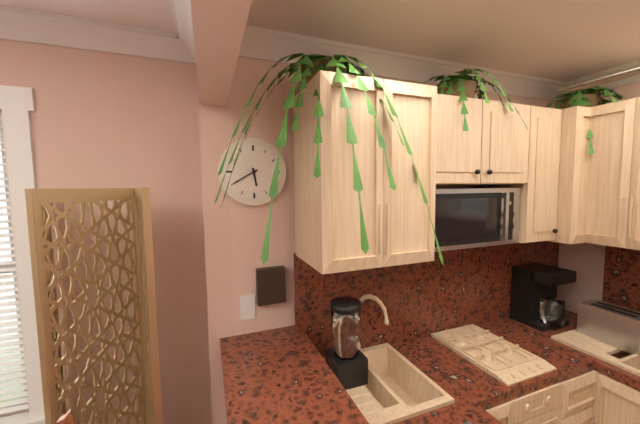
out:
5 h 40 min
